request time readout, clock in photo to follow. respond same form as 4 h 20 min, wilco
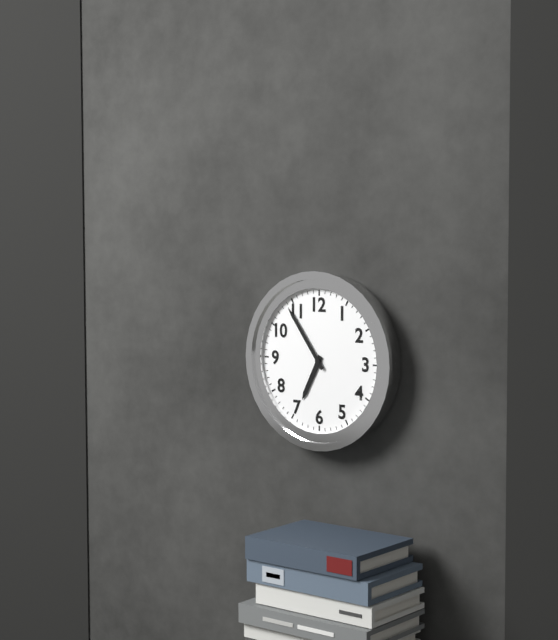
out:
6 h 54 min
